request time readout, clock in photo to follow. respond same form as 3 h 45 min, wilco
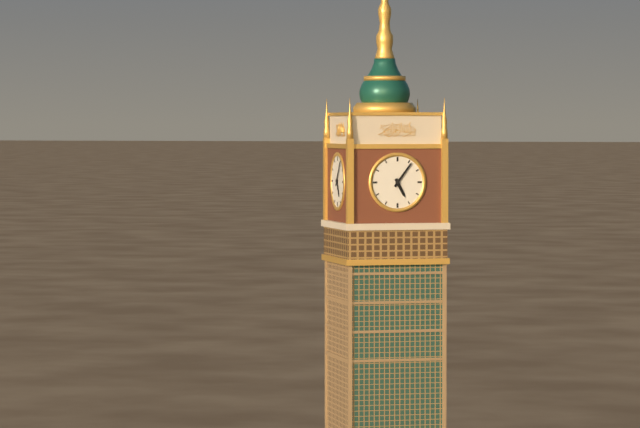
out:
5 h 06 min
